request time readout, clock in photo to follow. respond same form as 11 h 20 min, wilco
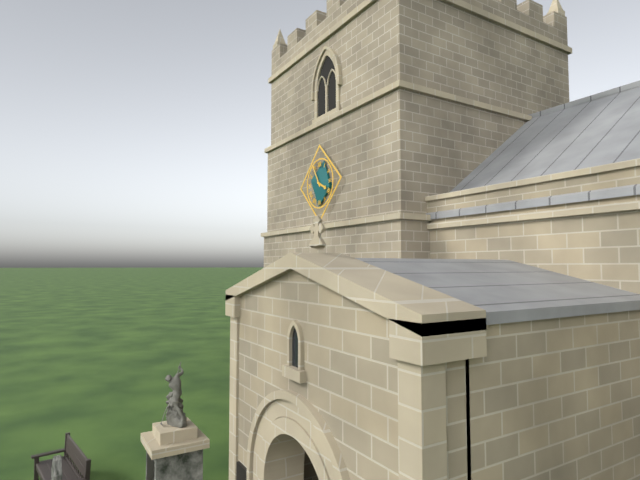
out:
3 h 55 min
